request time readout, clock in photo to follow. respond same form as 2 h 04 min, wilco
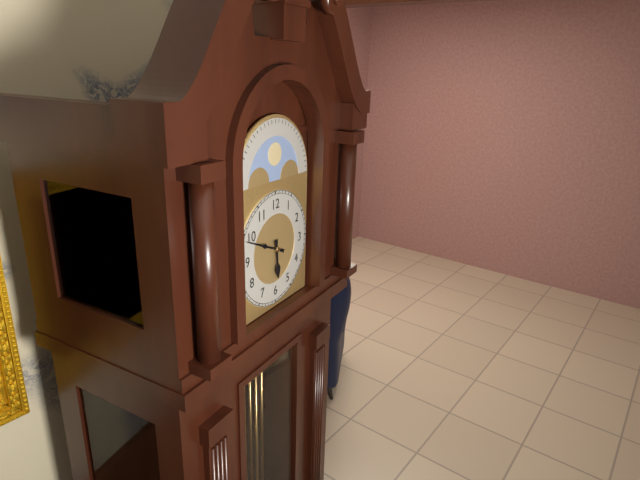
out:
5 h 49 min
